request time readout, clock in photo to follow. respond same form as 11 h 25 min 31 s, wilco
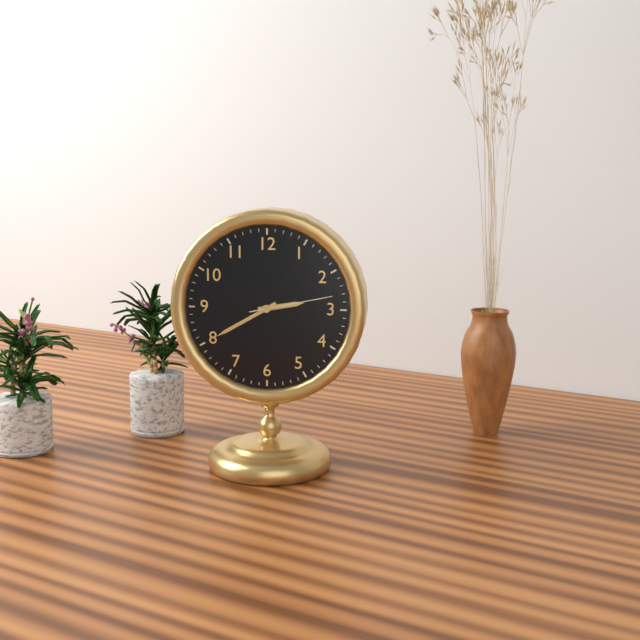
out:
2 h 40 min 13 s
